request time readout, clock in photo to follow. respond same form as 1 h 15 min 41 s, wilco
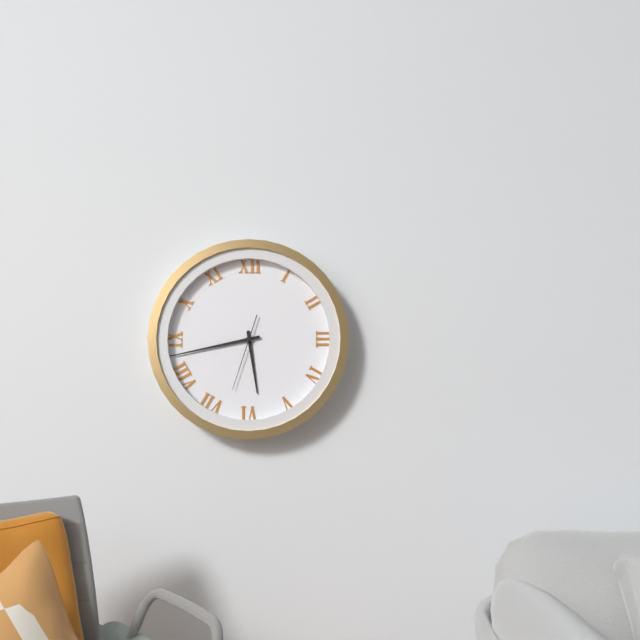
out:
5 h 43 min 33 s
